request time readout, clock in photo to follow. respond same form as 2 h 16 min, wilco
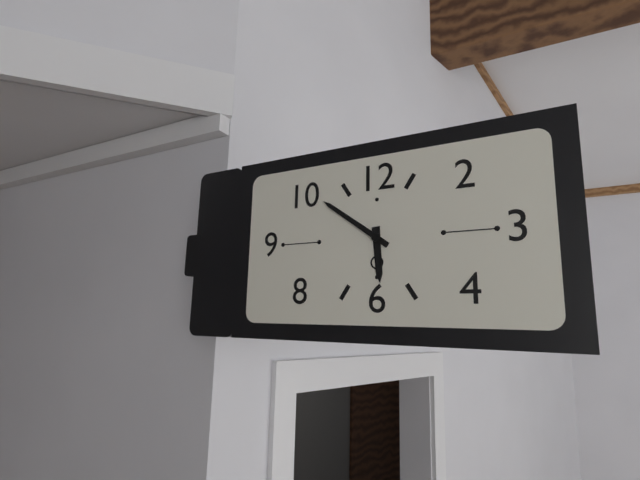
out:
5 h 51 min
